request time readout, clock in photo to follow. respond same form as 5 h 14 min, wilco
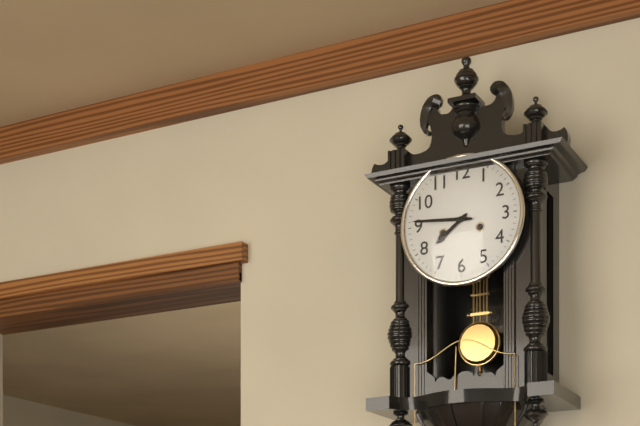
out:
7 h 46 min
